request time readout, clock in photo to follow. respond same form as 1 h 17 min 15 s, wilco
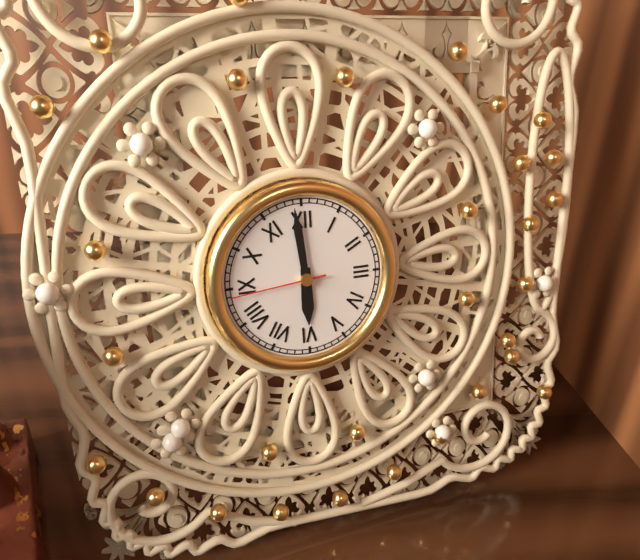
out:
5 h 59 min 44 s
